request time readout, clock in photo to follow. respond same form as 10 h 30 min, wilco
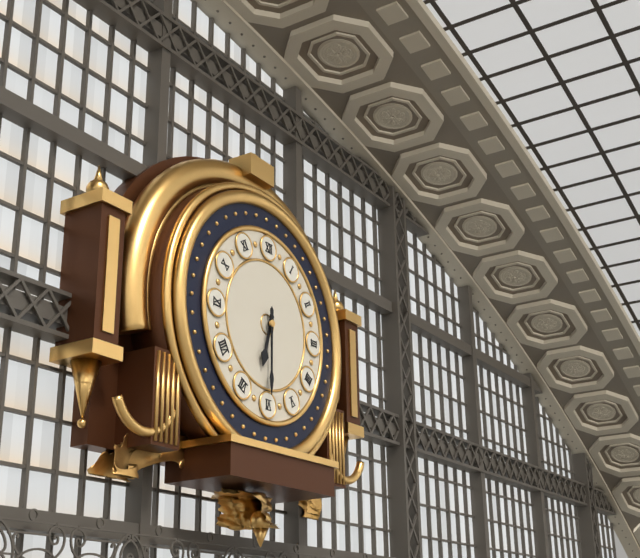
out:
6 h 30 min
